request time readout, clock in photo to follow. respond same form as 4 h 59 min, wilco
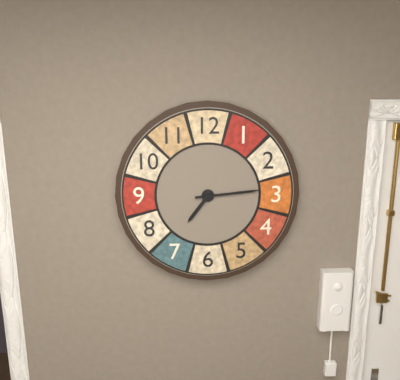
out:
7 h 14 min
